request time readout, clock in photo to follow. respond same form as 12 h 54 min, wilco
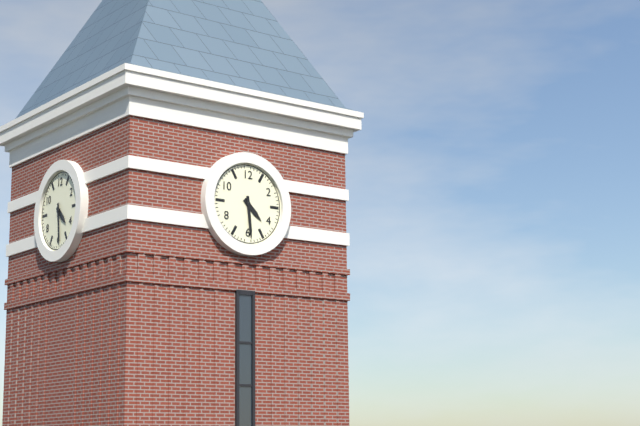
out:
4 h 29 min
